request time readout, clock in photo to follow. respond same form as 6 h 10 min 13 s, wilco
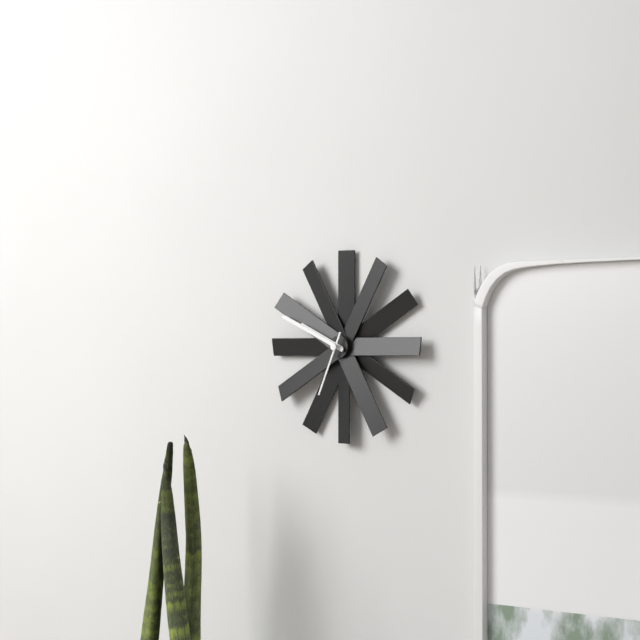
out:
9 h 49 min 34 s
